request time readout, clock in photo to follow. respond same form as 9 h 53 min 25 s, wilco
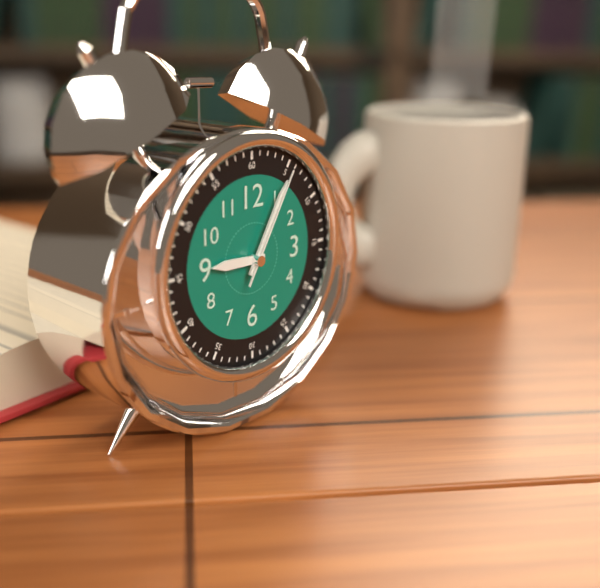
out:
9 h 05 min 05 s
